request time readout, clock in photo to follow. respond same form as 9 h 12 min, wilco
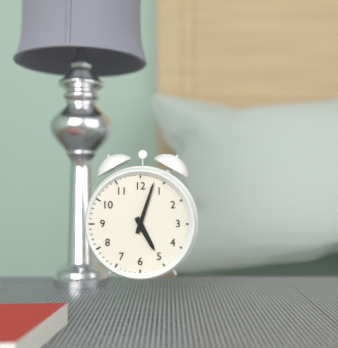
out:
5 h 03 min
